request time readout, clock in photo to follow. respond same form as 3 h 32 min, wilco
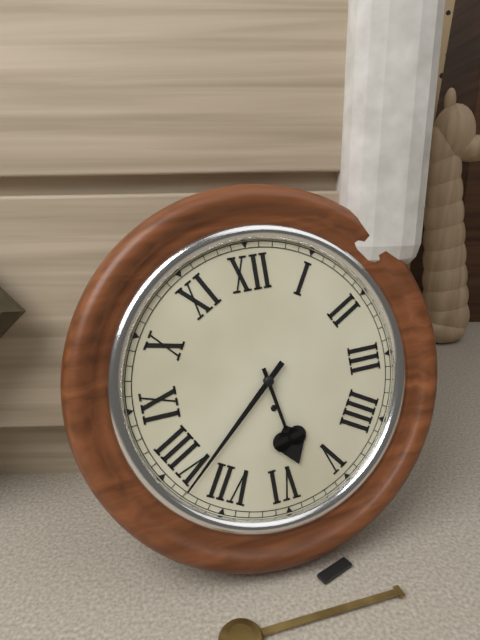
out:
5 h 38 min
